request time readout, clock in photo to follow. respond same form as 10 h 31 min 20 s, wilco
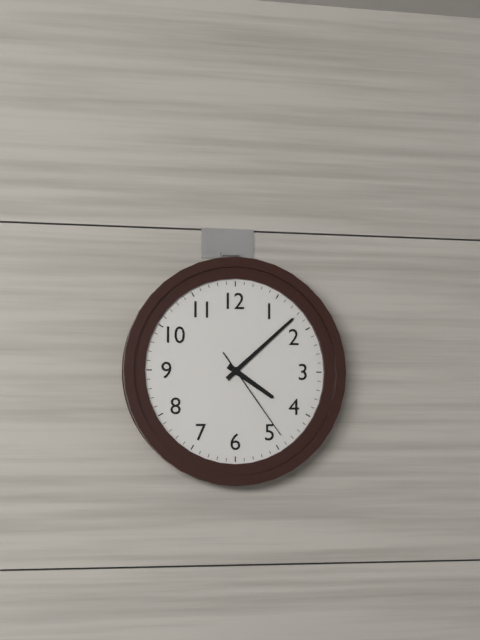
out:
4 h 08 min 24 s
